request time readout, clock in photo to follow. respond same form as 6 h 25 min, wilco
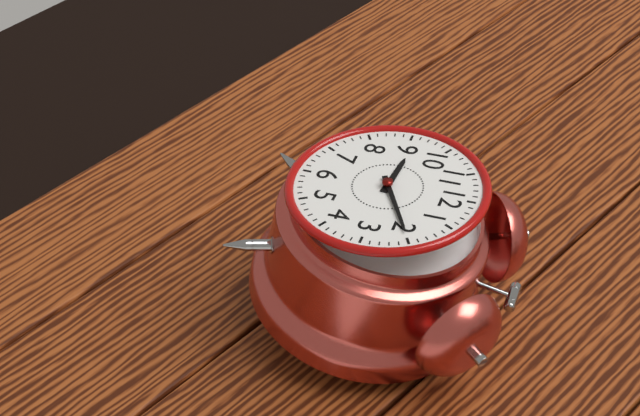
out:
9 h 10 min
